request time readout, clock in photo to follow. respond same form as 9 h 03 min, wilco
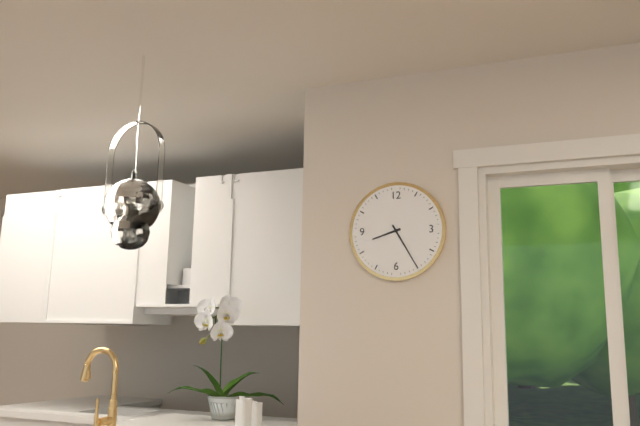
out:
8 h 25 min
